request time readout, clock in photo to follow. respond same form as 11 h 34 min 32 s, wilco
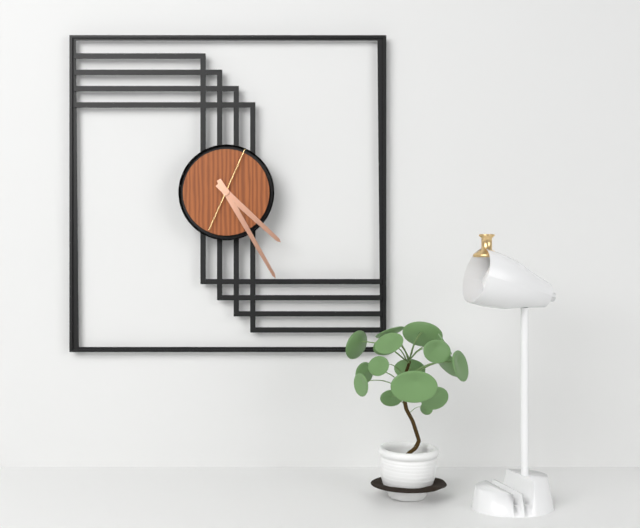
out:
4 h 25 min 04 s
